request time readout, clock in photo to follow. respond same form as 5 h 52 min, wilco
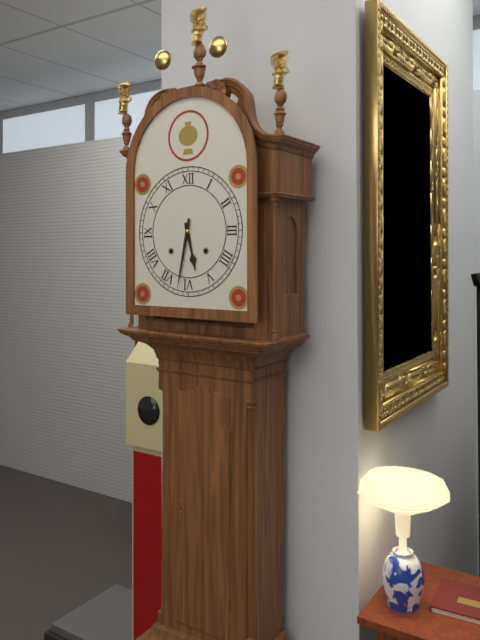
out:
5 h 32 min
